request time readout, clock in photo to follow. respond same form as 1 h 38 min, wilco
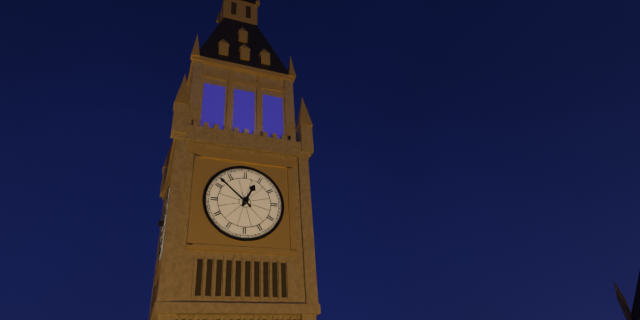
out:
12 h 52 min
